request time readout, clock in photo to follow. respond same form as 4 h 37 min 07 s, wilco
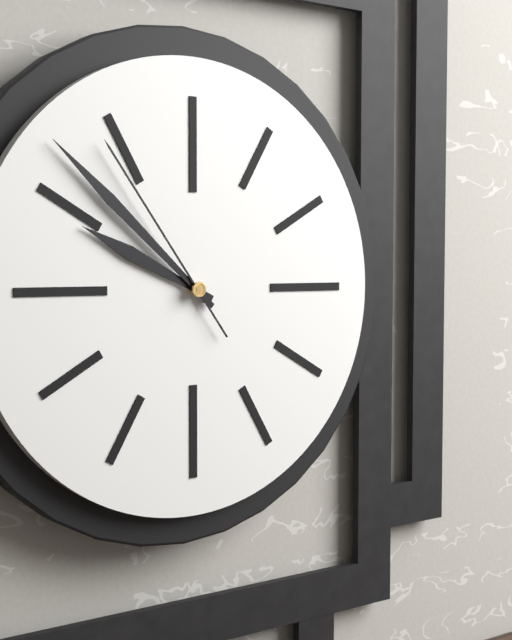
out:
9 h 52 min 54 s
